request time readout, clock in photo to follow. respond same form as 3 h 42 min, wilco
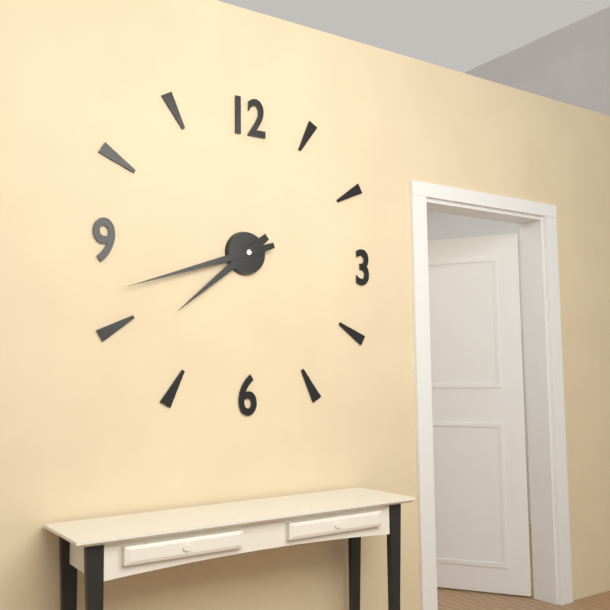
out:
7 h 42 min
